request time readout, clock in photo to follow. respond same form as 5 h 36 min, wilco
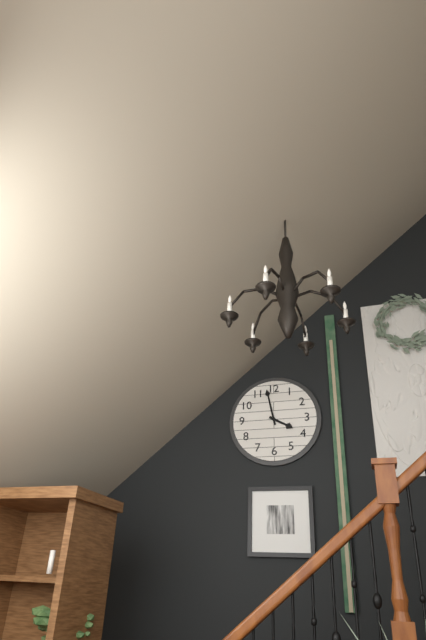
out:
3 h 58 min
